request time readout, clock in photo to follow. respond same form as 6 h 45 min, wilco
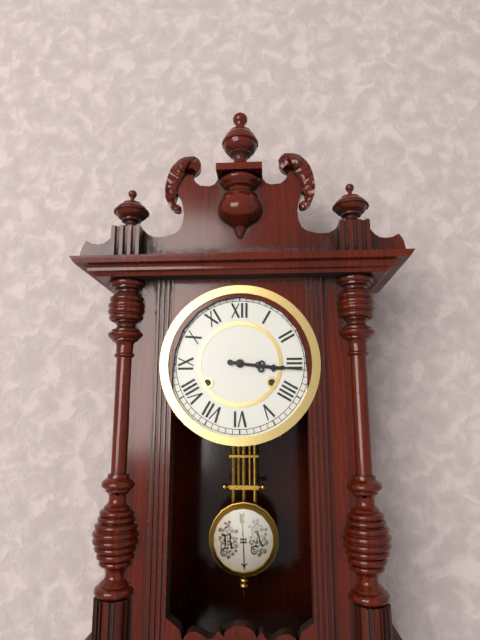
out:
3 h 16 min
